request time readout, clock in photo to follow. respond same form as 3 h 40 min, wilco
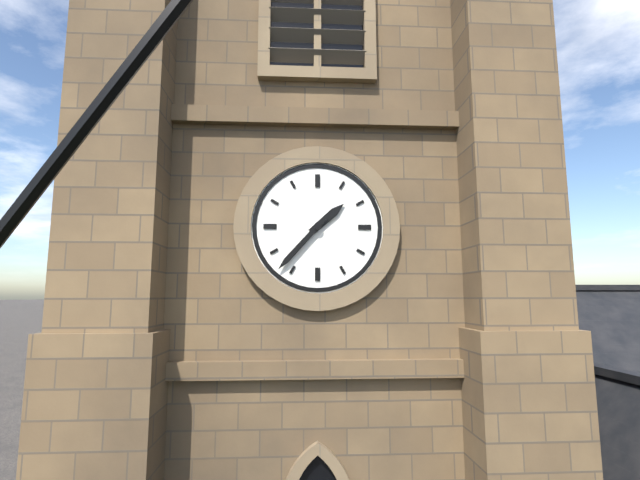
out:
1 h 37 min
